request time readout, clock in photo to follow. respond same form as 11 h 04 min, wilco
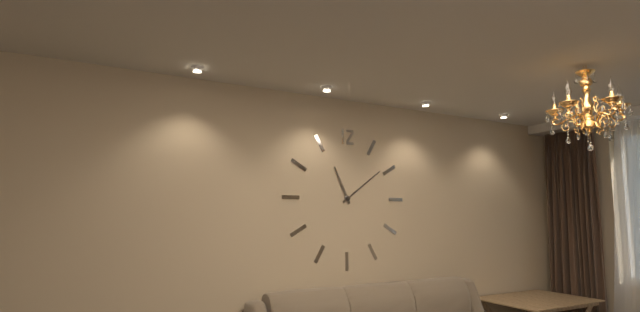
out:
11 h 09 min
